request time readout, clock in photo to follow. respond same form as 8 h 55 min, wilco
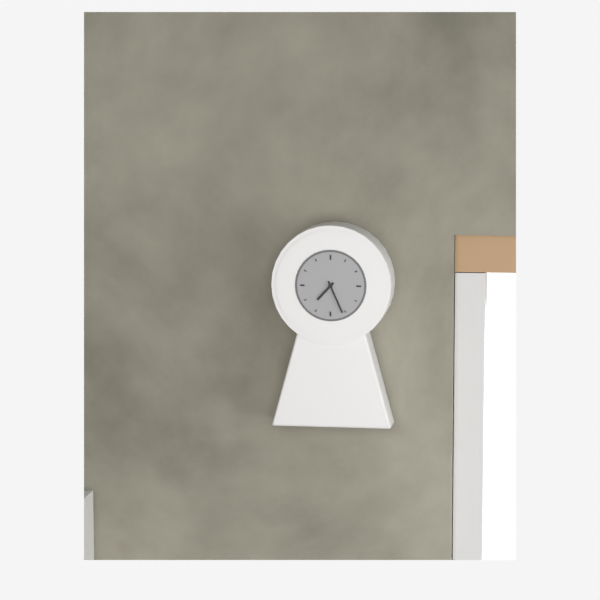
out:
7 h 26 min
